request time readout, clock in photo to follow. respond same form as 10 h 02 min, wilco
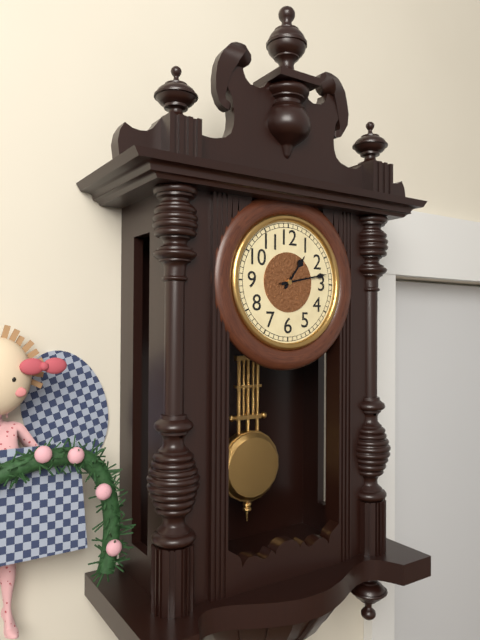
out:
1 h 13 min
